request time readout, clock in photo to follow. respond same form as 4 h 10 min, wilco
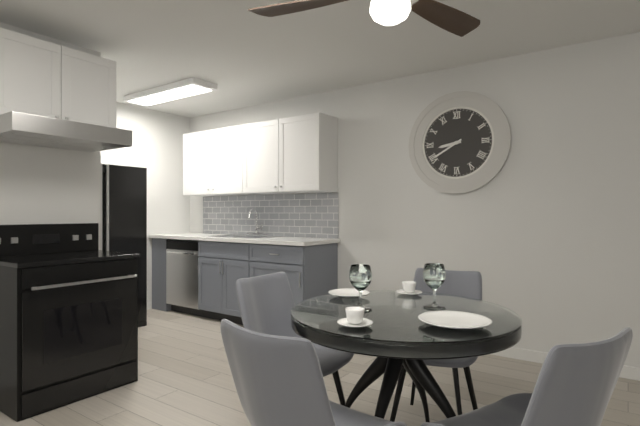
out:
8 h 40 min
